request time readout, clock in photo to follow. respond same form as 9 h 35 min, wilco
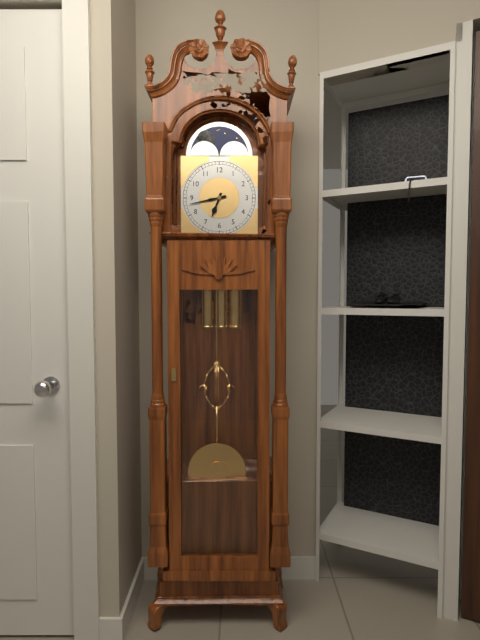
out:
6 h 43 min
